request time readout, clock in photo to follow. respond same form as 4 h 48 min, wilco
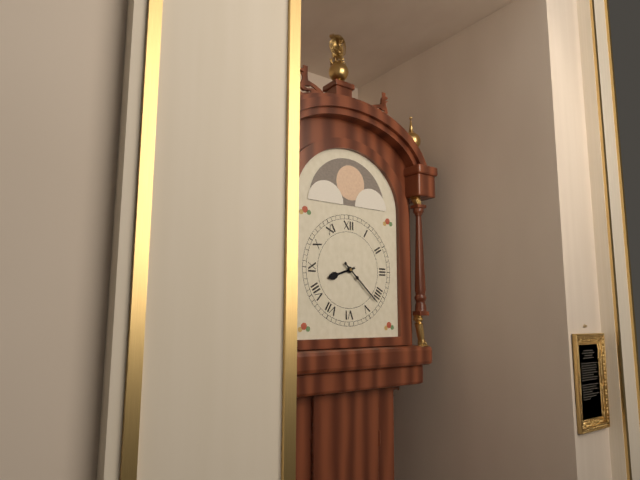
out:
8 h 22 min
